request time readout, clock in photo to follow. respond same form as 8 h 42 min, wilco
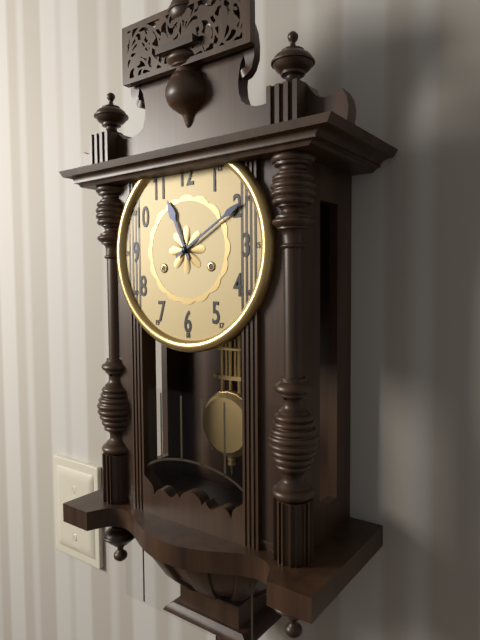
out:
11 h 10 min
